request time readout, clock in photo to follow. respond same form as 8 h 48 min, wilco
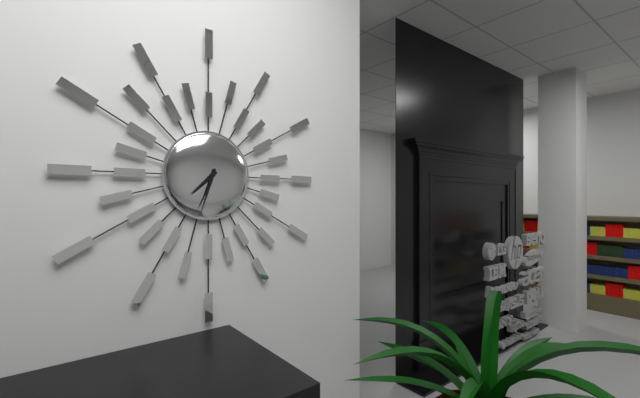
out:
7 h 33 min
